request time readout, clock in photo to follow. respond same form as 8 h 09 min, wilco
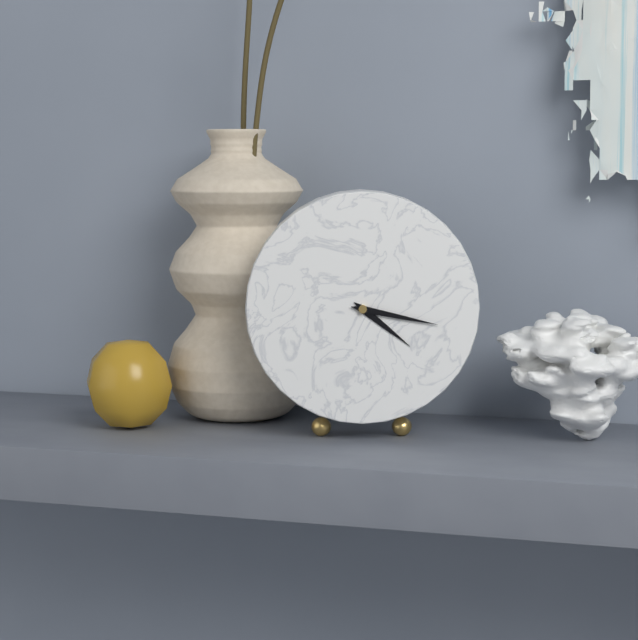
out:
4 h 17 min
